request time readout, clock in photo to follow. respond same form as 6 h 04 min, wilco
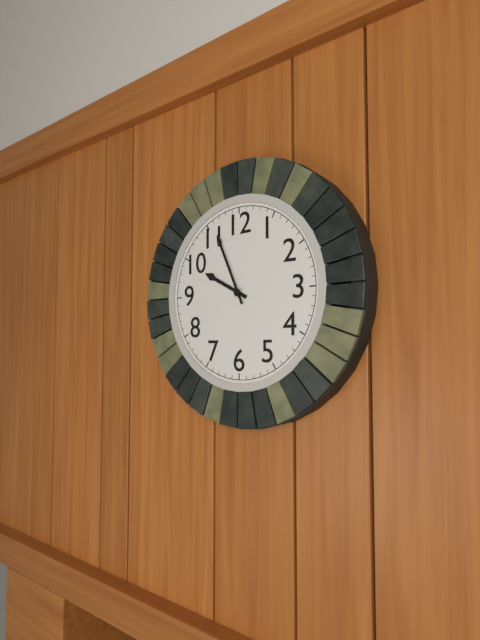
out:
9 h 56 min
